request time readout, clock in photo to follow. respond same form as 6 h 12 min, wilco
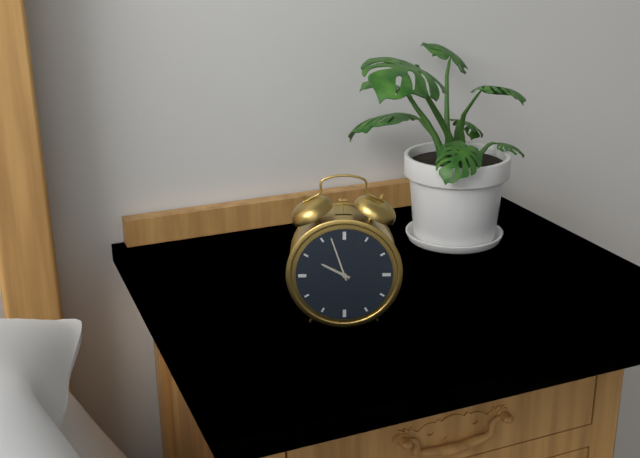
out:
9 h 57 min
